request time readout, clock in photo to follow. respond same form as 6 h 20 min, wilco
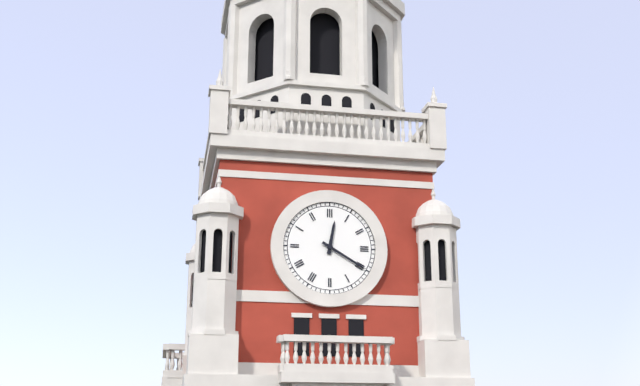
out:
12 h 20 min
